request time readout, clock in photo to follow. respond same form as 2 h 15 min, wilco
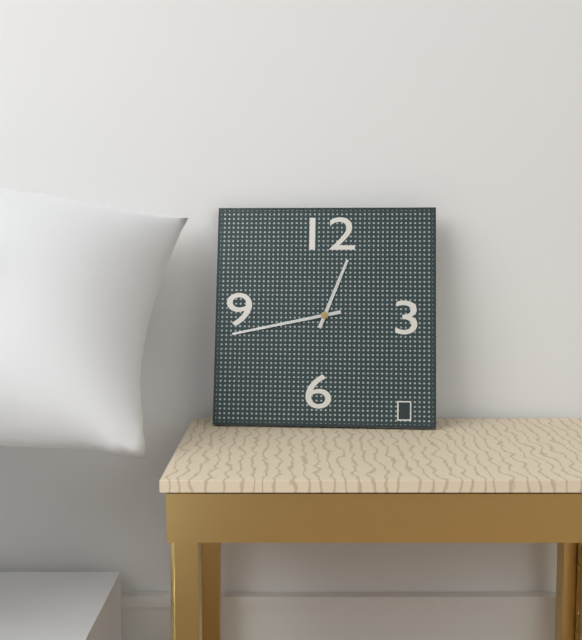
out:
12 h 43 min
